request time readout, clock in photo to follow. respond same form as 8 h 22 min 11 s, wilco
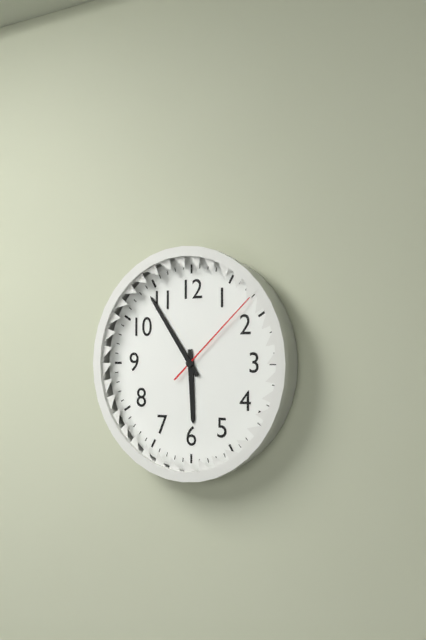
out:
5 h 54 min 08 s
